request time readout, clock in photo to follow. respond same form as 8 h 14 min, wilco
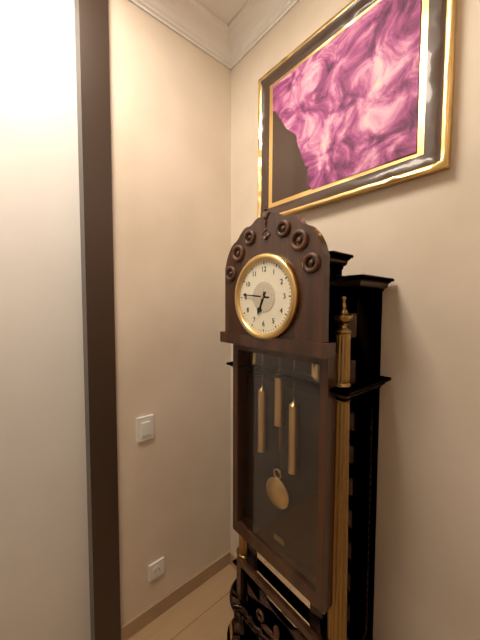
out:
6 h 46 min
